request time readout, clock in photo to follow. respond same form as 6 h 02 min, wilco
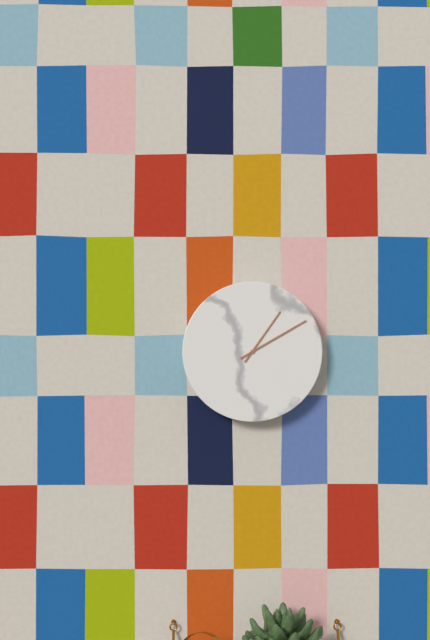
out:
1 h 10 min
